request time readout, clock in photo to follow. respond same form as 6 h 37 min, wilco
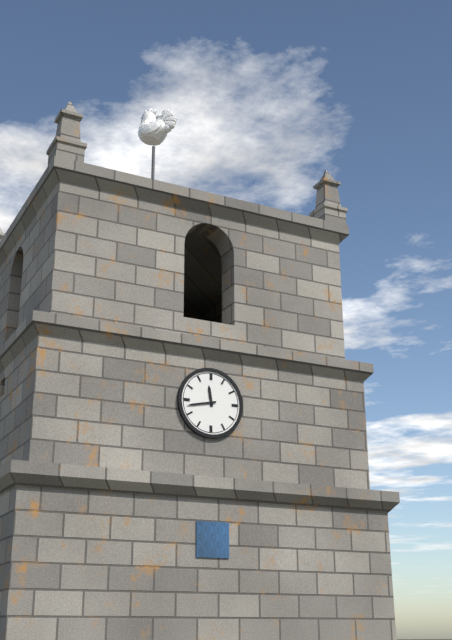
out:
11 h 43 min
